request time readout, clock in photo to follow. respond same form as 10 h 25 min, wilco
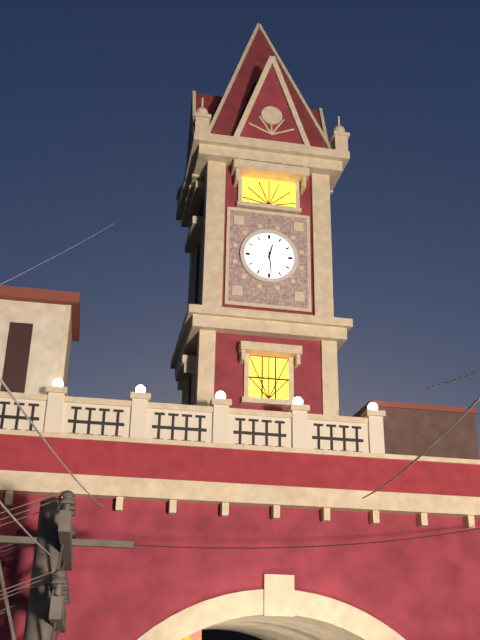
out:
12 h 29 min
